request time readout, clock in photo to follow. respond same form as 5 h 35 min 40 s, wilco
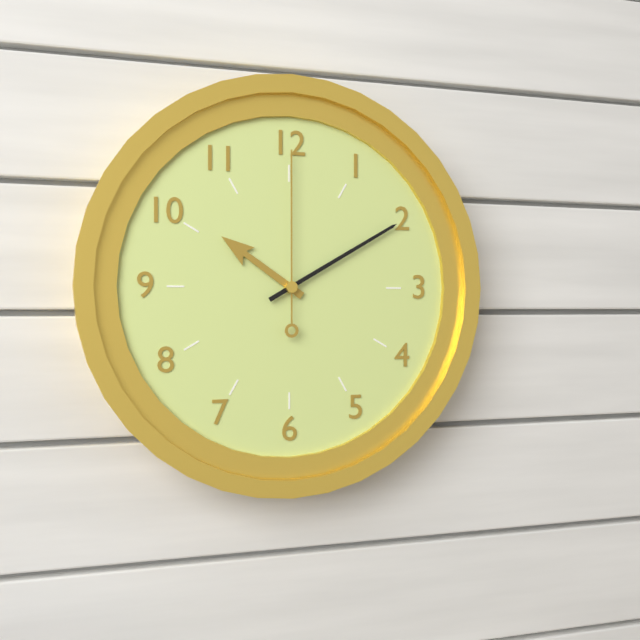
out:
10 h 10 min 00 s
